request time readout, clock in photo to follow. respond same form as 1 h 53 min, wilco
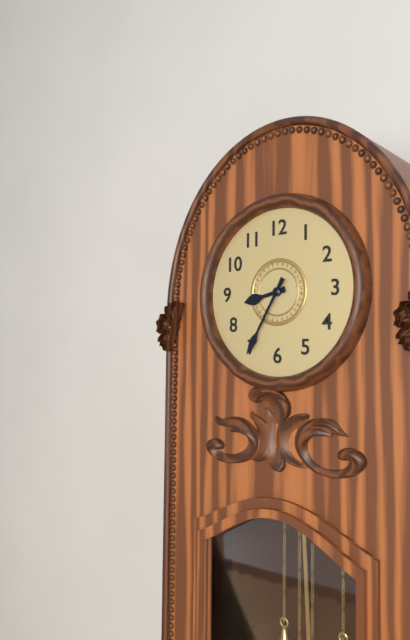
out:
8 h 35 min
